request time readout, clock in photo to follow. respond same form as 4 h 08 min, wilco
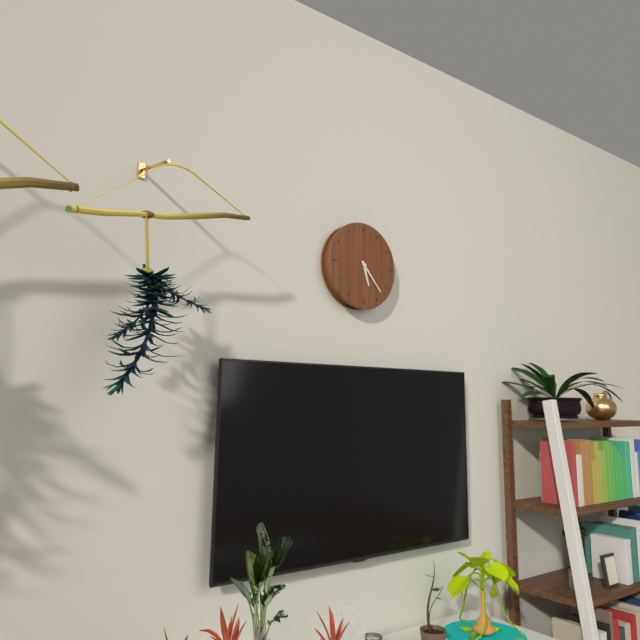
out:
5 h 23 min
